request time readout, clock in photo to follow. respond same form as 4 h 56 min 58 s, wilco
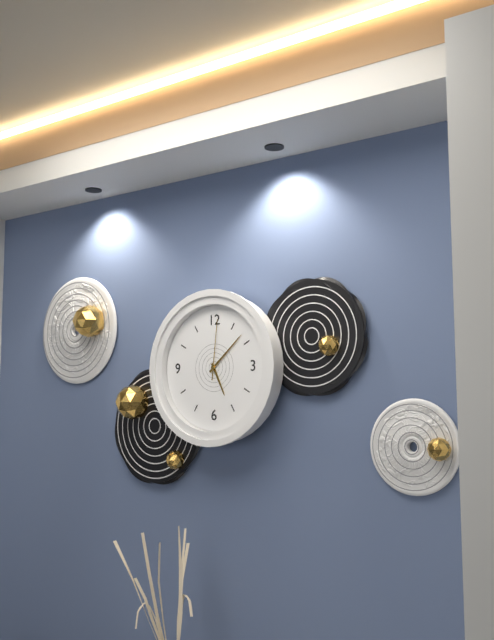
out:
5 h 08 min 01 s
